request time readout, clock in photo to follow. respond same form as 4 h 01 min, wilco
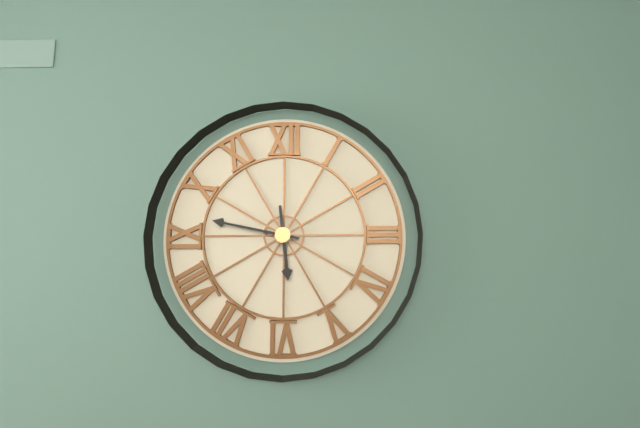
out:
5 h 47 min
